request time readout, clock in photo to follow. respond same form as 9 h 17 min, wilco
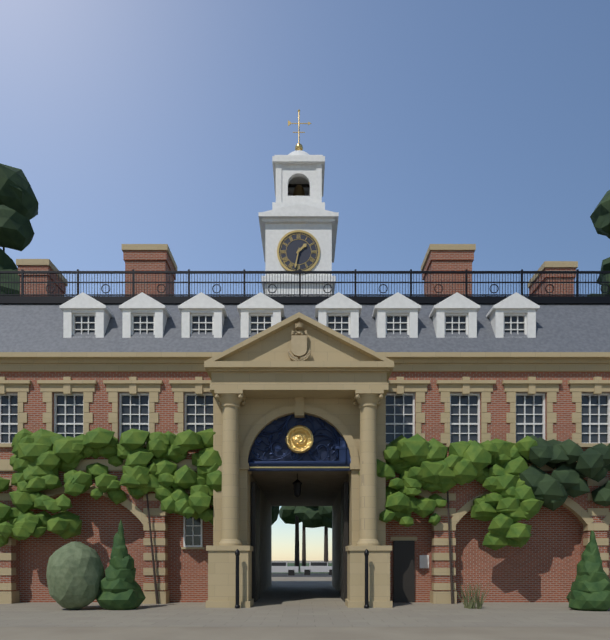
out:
1 h 32 min
